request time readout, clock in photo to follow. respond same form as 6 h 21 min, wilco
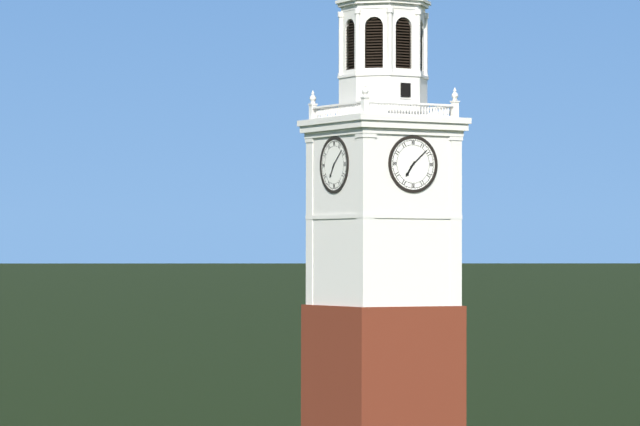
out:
7 h 08 min
